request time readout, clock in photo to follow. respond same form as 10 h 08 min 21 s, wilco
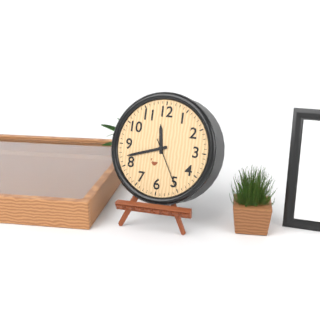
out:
11 h 42 min 25 s
